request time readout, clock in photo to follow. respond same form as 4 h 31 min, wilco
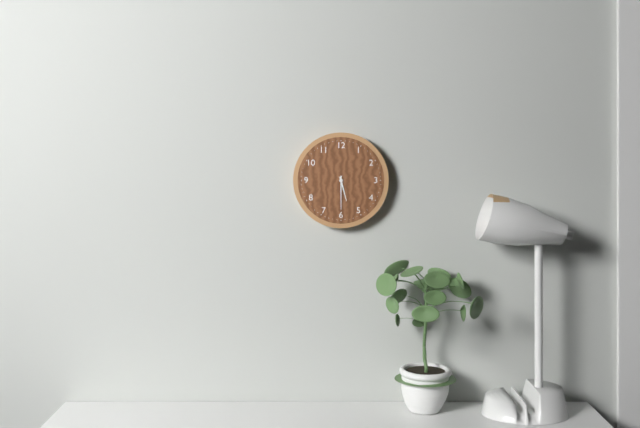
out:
5 h 30 min
